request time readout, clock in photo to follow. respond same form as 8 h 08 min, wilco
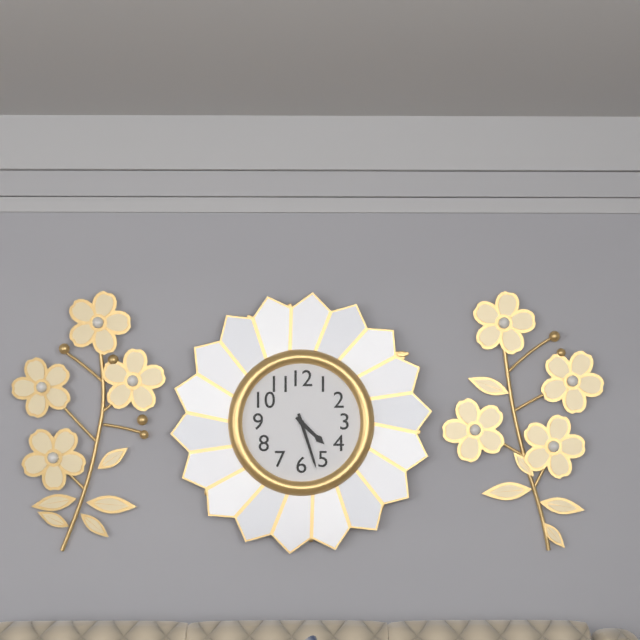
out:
4 h 27 min
